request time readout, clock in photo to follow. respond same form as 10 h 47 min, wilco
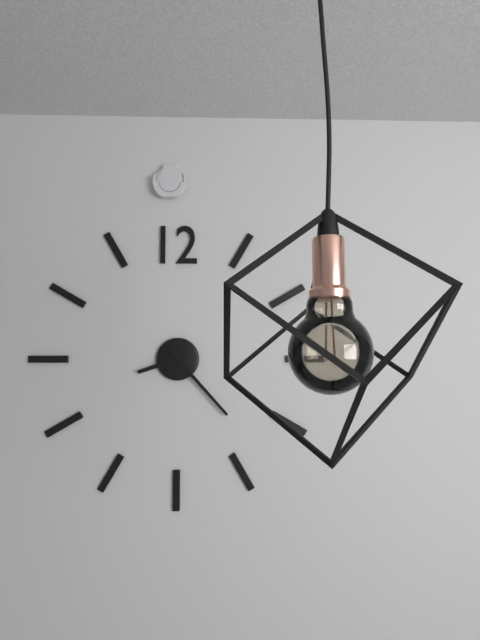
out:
8 h 23 min
